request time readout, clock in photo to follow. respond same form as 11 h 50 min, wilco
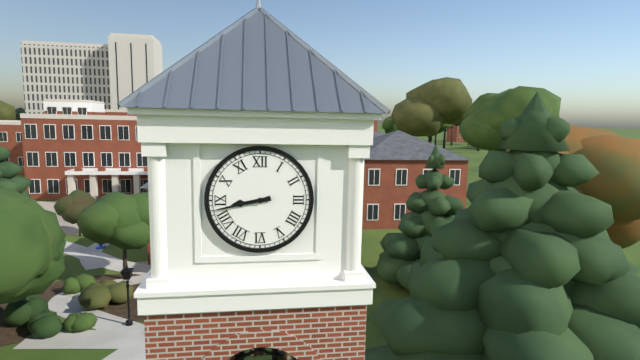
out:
8 h 43 min
